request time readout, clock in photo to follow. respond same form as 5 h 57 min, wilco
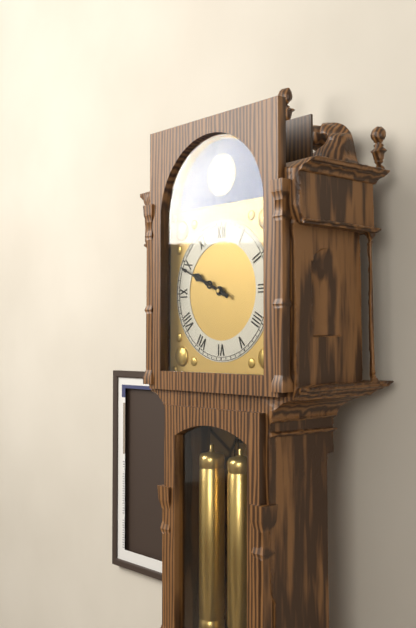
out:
9 h 49 min
